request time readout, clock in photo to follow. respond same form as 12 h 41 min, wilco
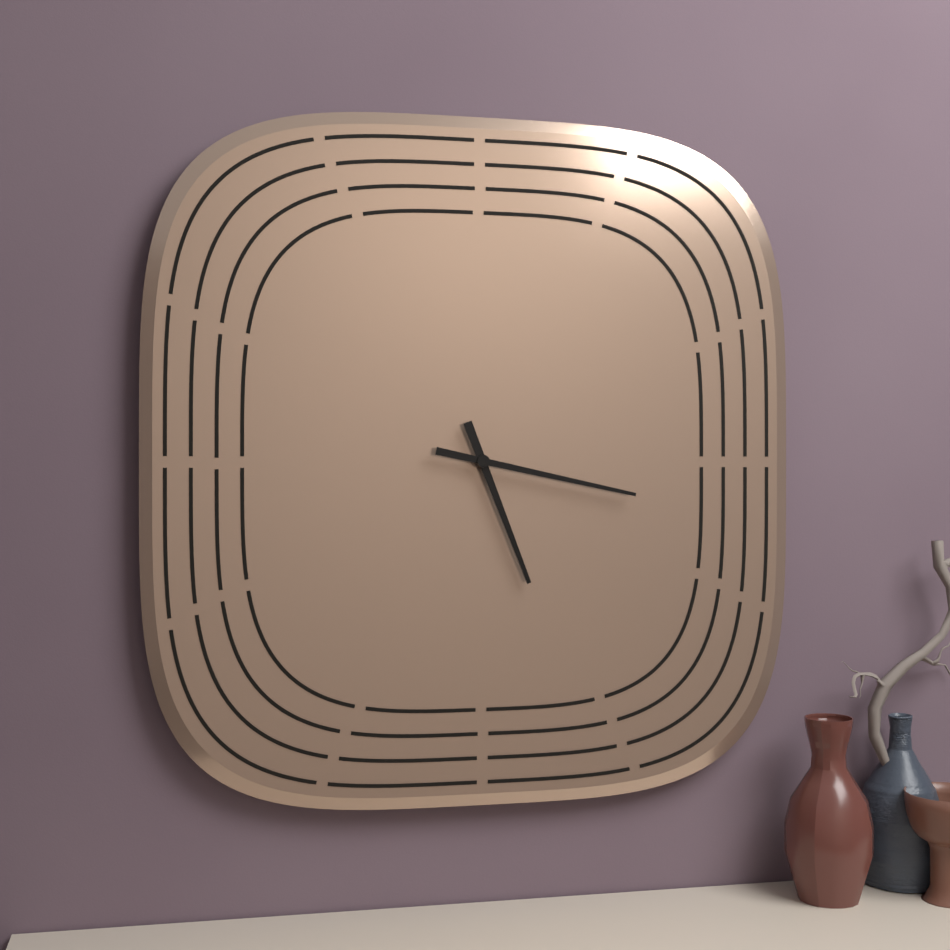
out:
5 h 17 min
